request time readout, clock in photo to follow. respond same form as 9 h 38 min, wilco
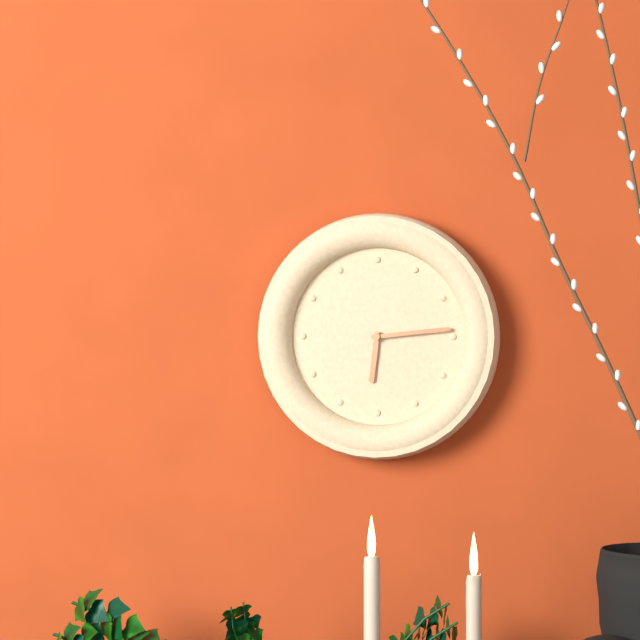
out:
6 h 14 min
